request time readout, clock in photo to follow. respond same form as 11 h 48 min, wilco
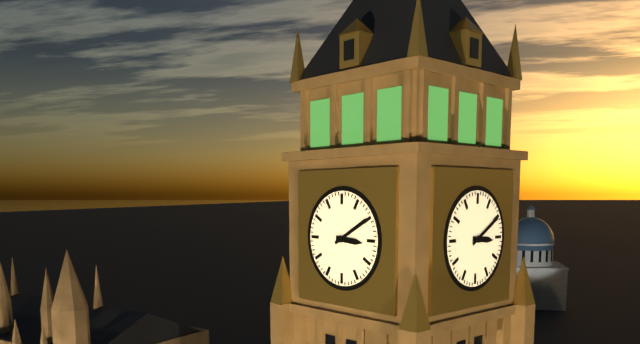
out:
3 h 10 min
